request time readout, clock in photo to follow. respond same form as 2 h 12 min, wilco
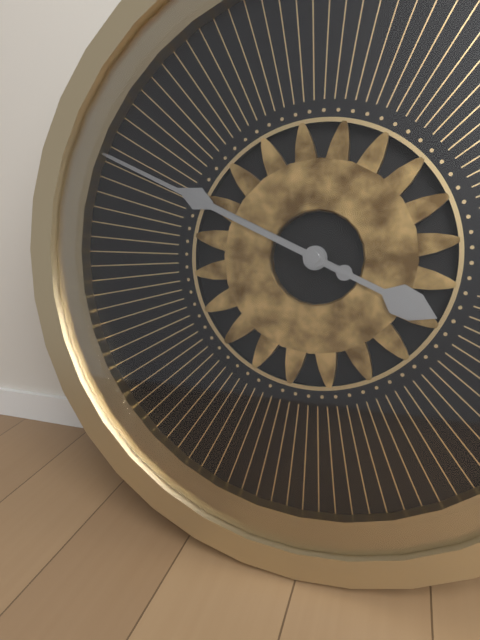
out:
9 h 49 min
